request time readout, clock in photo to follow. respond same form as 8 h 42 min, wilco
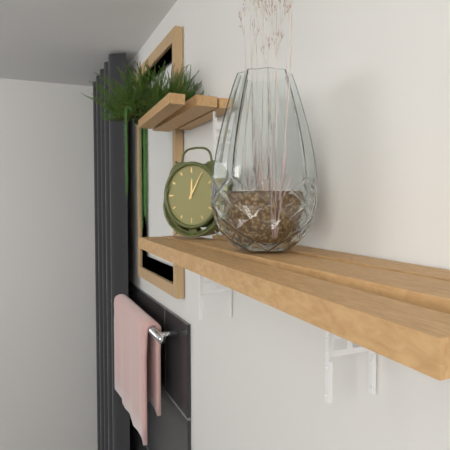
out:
12 h 05 min
